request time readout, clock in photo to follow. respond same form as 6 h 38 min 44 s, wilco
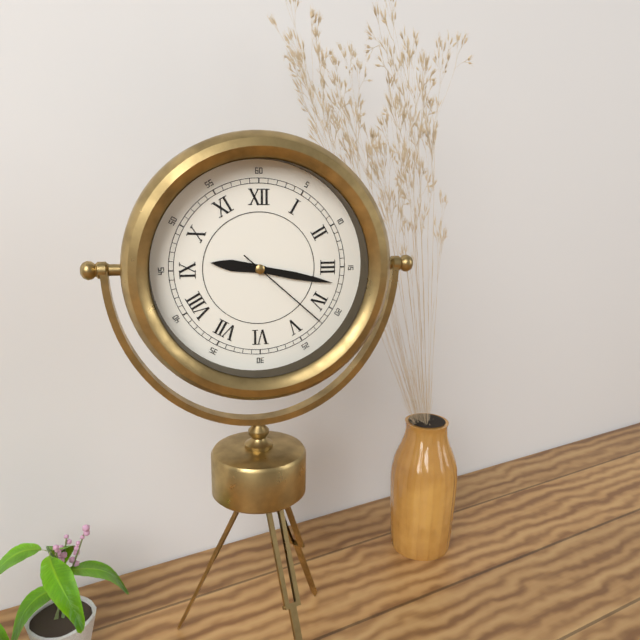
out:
9 h 17 min 22 s
